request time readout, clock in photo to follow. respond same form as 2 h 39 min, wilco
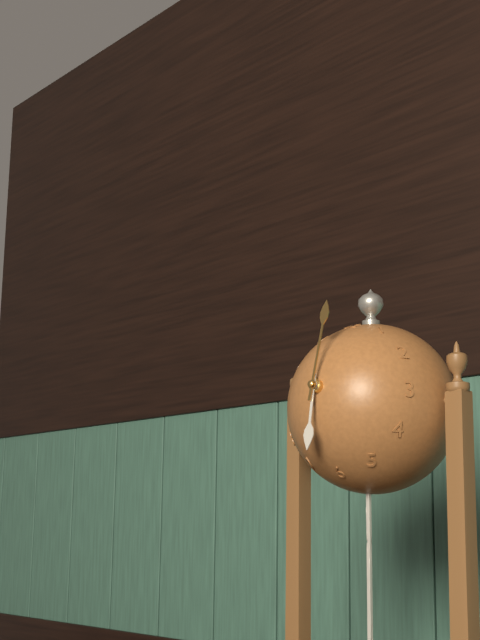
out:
6 h 01 min
